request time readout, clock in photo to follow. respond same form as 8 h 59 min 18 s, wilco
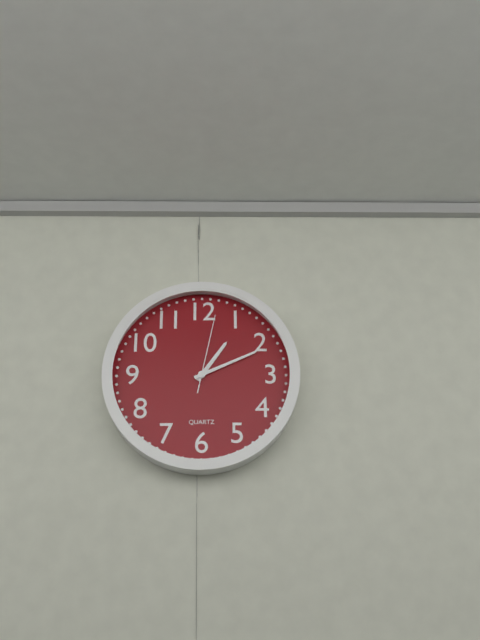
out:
1 h 11 min 02 s
